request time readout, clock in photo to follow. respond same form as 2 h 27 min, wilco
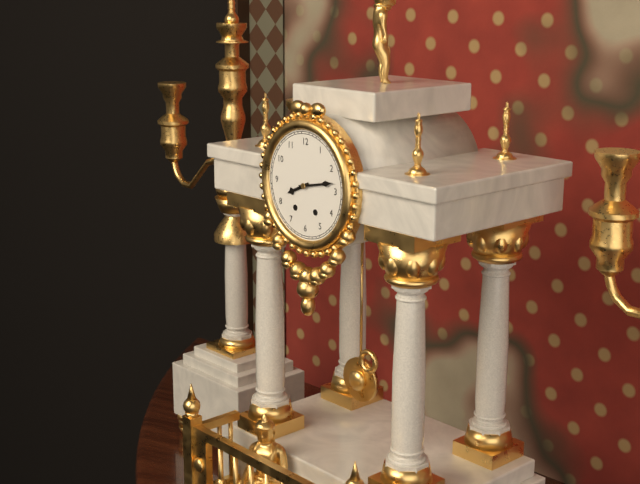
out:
8 h 13 min
